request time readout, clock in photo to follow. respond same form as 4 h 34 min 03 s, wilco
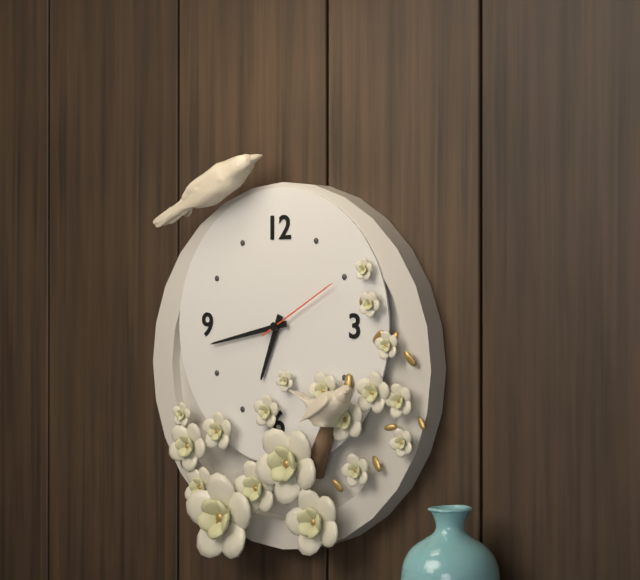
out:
6 h 43 min 10 s
